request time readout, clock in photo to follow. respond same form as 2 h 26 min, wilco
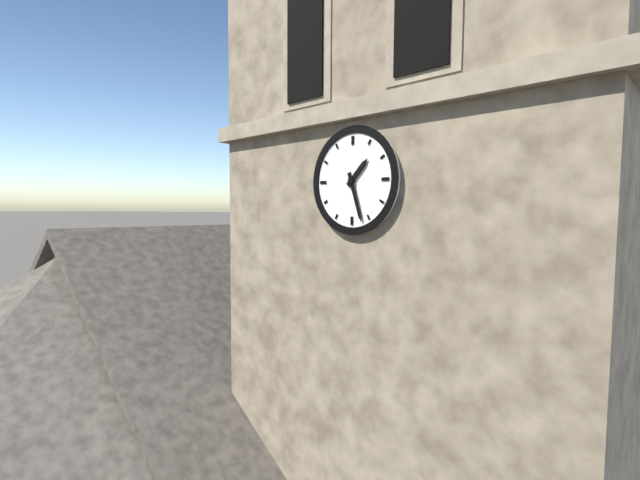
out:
1 h 27 min
